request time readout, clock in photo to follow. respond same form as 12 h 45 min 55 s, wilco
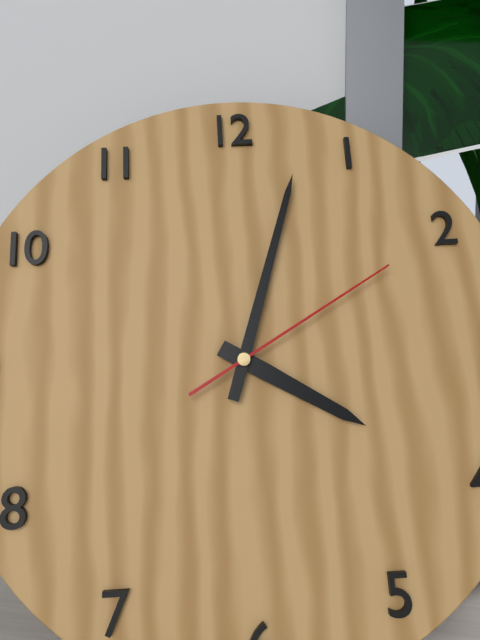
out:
4 h 03 min 10 s
